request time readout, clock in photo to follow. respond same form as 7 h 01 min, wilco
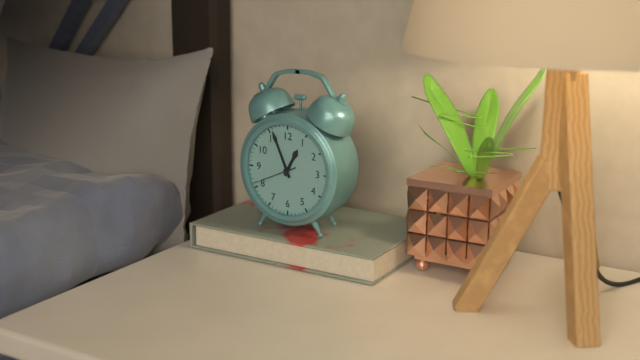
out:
12 h 56 min
